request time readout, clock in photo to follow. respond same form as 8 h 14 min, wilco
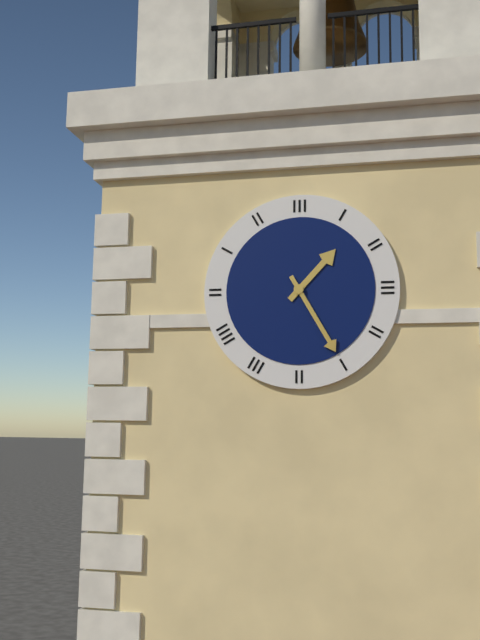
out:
1 h 25 min
